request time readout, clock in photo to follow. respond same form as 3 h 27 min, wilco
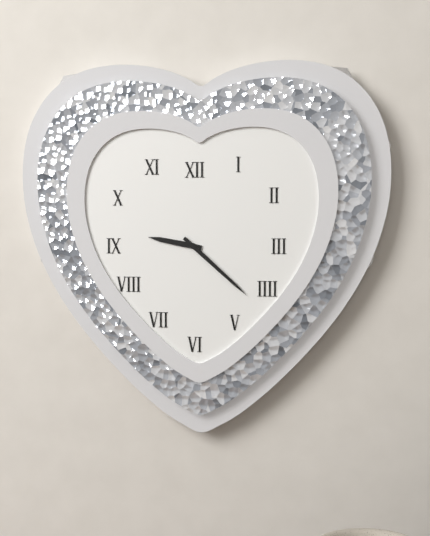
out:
9 h 22 min
